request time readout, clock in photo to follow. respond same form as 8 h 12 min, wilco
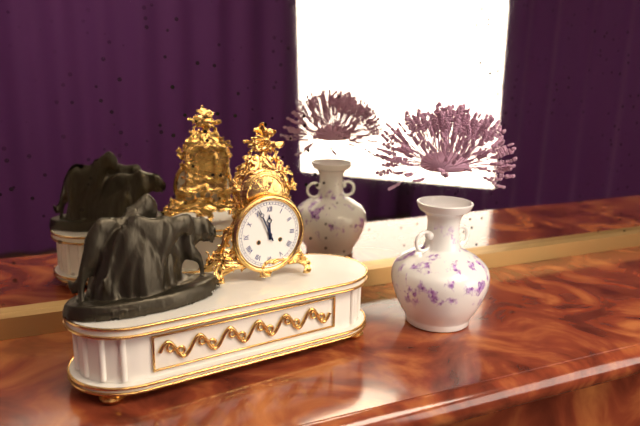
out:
11 h 56 min
